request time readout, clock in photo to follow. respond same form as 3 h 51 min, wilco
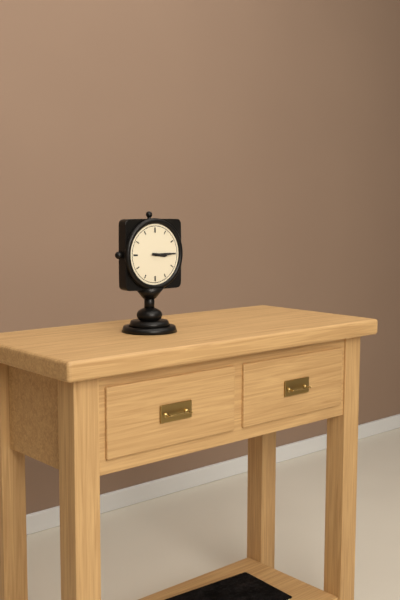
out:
3 h 15 min
